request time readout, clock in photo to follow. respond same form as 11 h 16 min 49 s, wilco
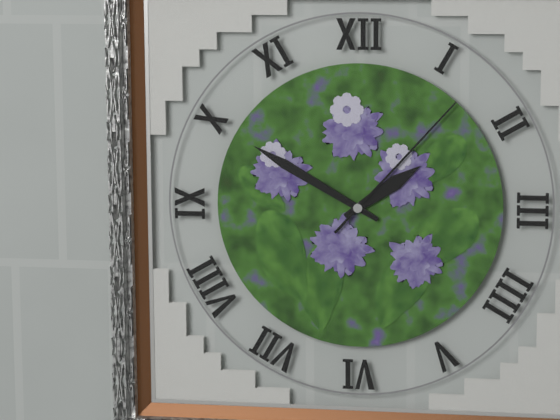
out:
1 h 50 min 07 s
